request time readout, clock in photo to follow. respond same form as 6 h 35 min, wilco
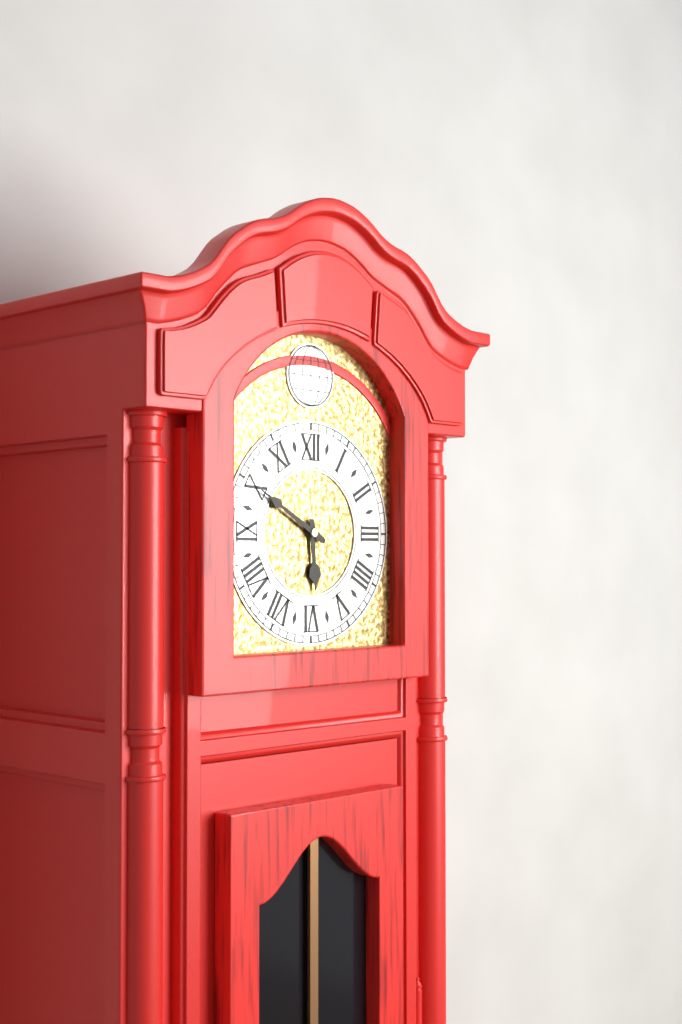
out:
5 h 50 min
